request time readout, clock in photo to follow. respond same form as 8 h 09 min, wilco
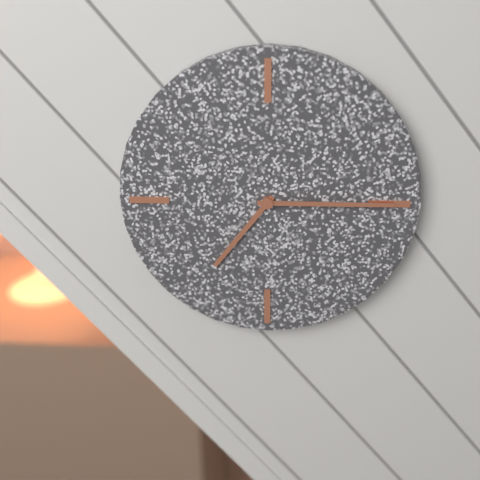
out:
7 h 15 min
